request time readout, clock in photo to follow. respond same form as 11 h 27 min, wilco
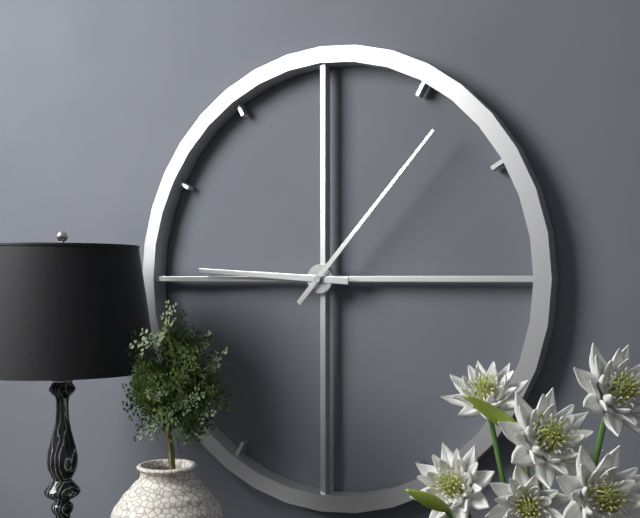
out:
9 h 07 min
